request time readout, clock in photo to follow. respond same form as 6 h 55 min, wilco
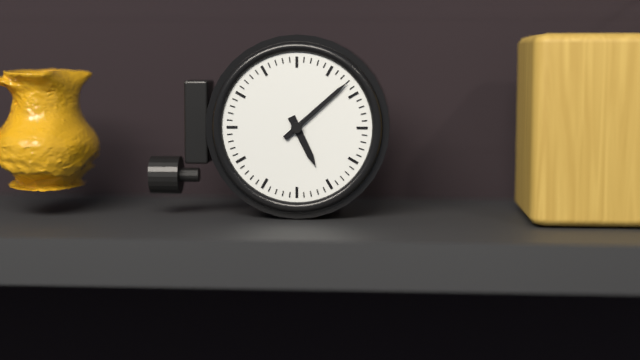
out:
5 h 08 min
